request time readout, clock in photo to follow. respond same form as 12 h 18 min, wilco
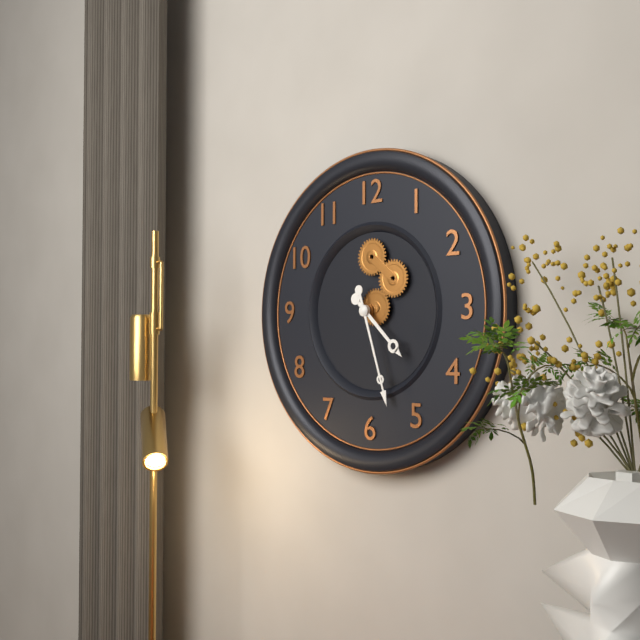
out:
4 h 27 min
